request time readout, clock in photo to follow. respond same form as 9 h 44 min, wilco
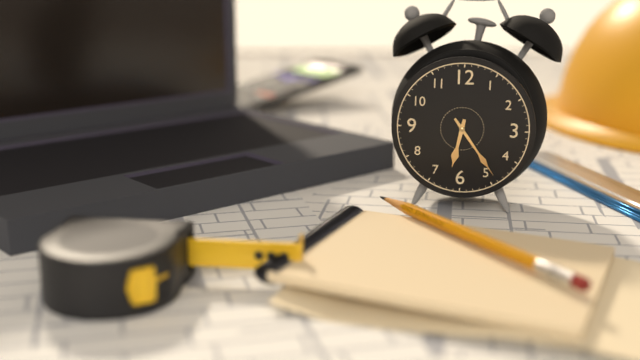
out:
6 h 24 min
